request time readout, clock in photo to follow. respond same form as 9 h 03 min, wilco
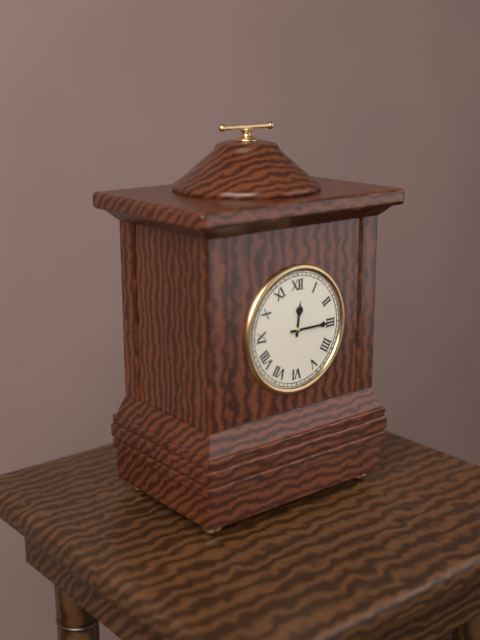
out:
12 h 15 min
